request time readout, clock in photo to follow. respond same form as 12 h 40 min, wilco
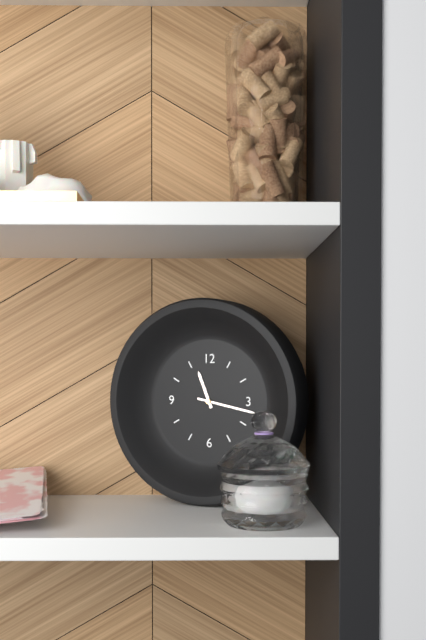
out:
11 h 17 min
